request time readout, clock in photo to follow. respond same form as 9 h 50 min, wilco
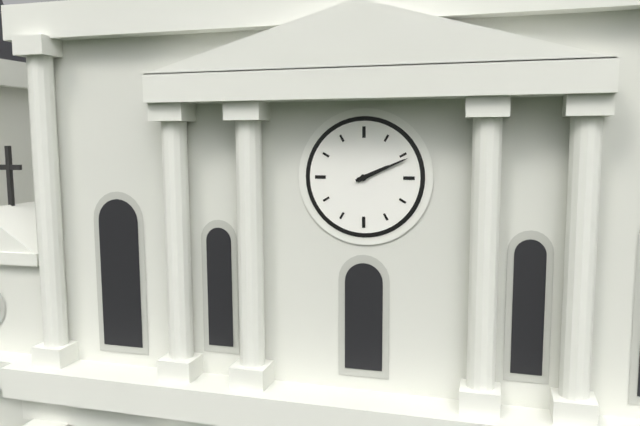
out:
2 h 11 min
